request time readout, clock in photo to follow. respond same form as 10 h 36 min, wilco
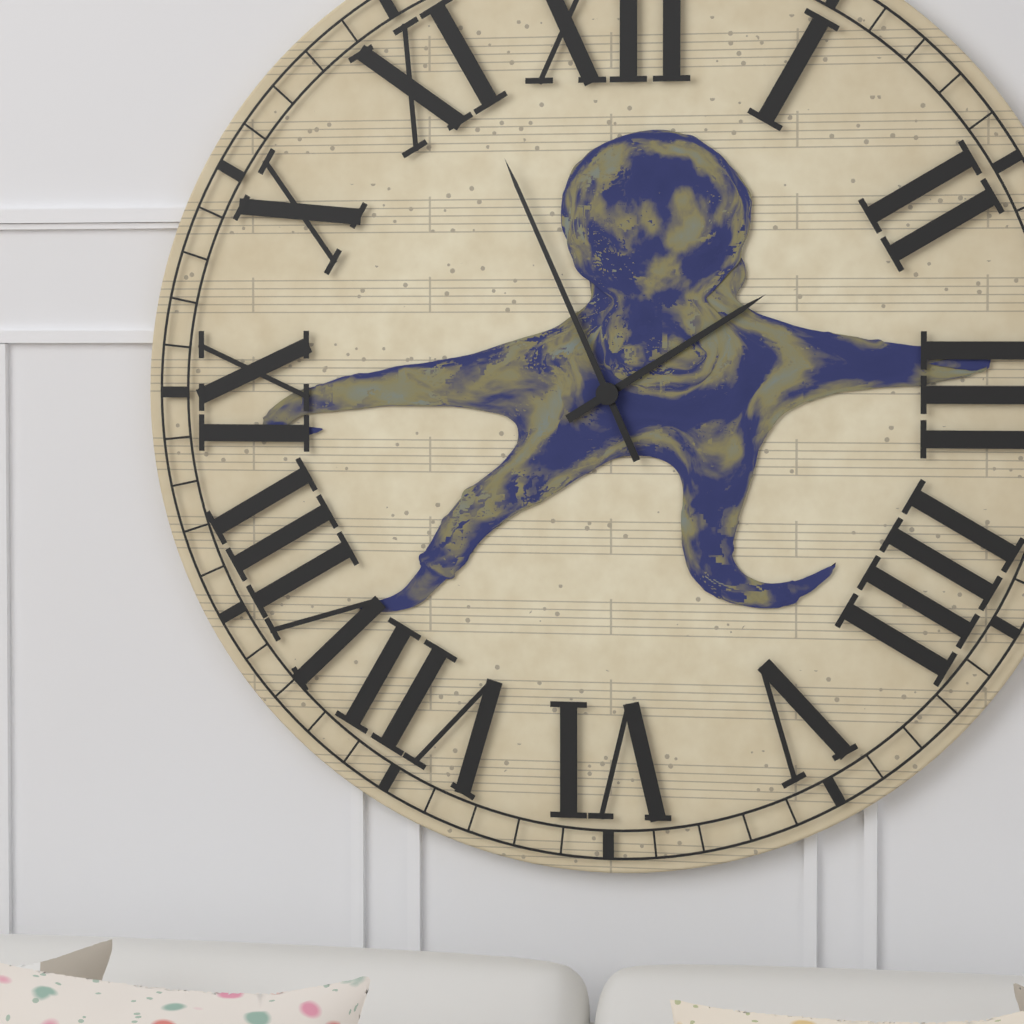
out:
1 h 56 min
